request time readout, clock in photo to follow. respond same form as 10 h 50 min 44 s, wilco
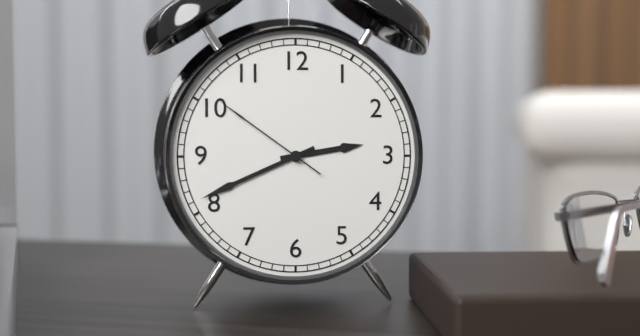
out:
2 h 41 min 51 s
